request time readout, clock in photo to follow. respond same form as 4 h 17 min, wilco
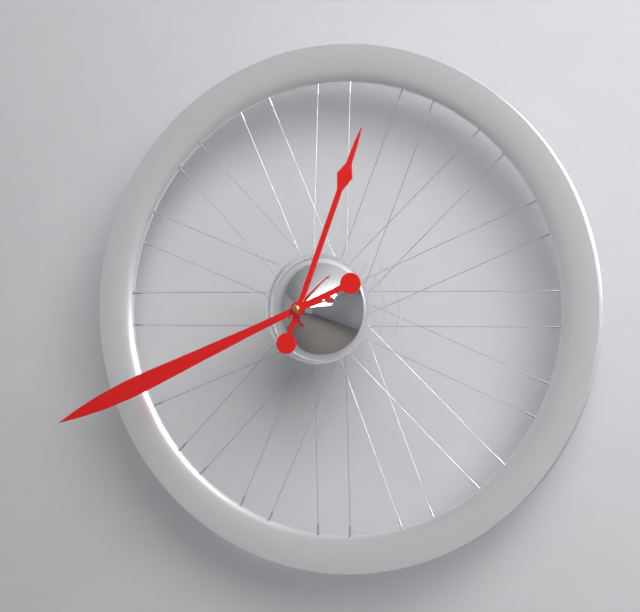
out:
12 h 41 min
